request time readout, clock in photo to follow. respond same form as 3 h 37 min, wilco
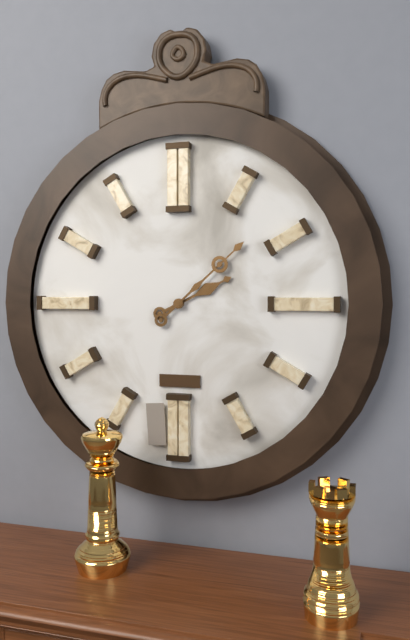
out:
2 h 08 min
